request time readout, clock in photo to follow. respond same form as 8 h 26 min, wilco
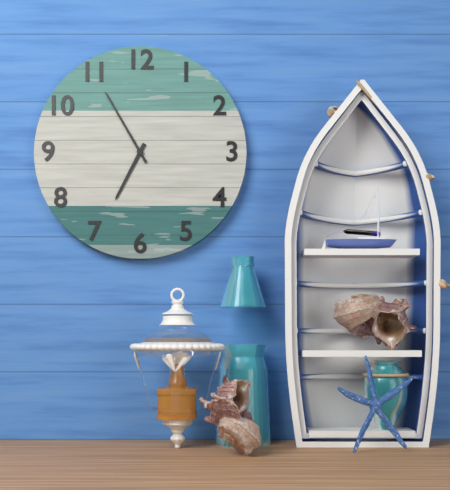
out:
6 h 55 min
